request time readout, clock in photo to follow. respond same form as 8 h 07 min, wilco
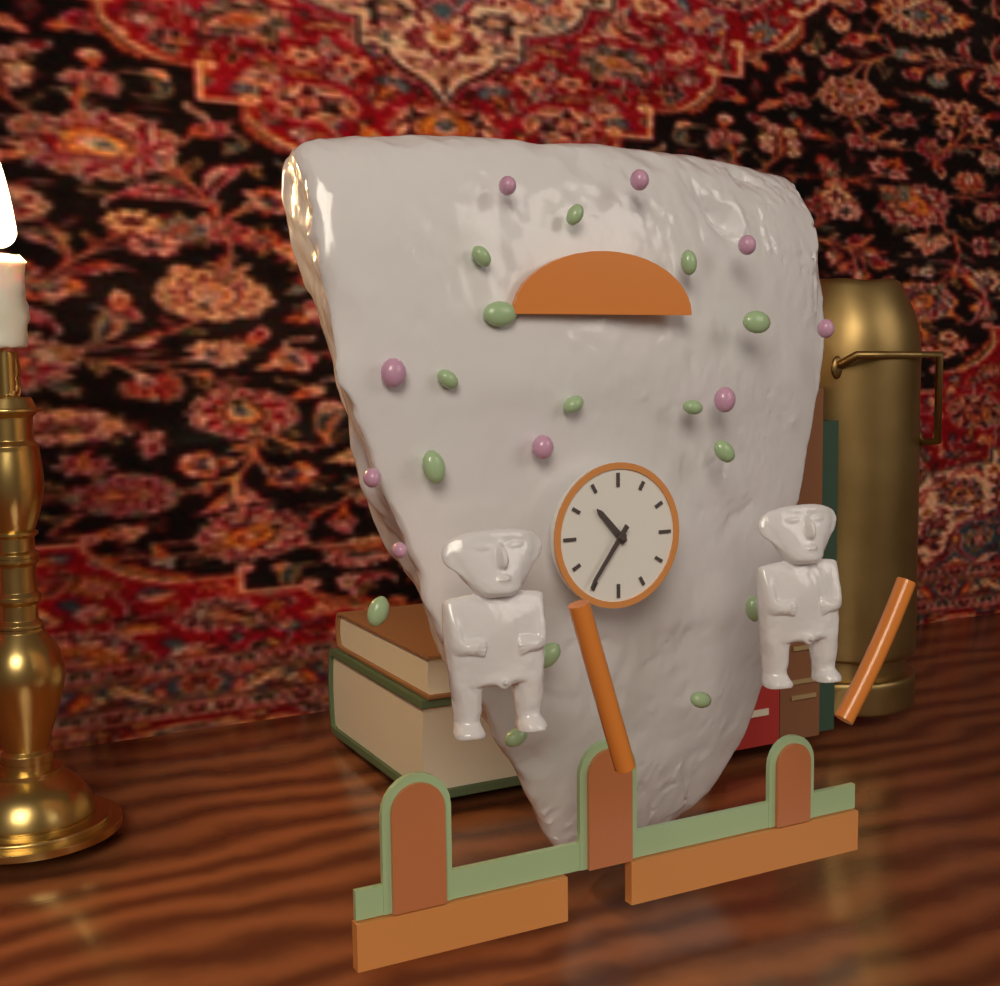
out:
10 h 36 min
